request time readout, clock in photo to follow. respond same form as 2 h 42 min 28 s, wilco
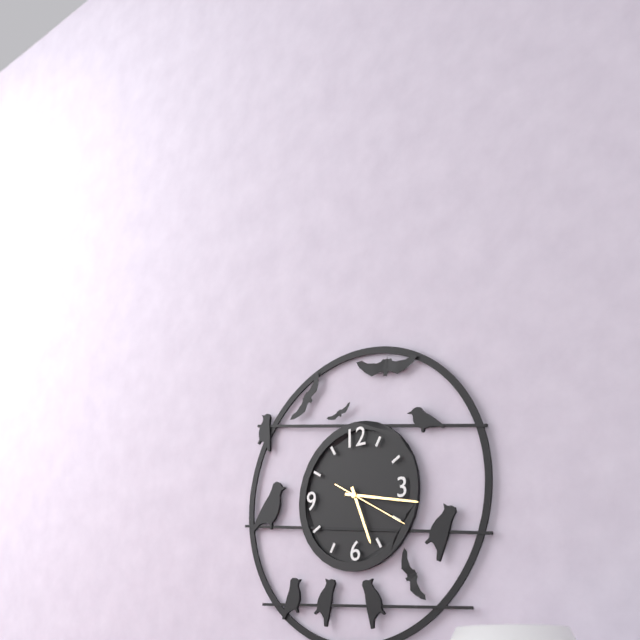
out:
5 h 17 min 20 s
